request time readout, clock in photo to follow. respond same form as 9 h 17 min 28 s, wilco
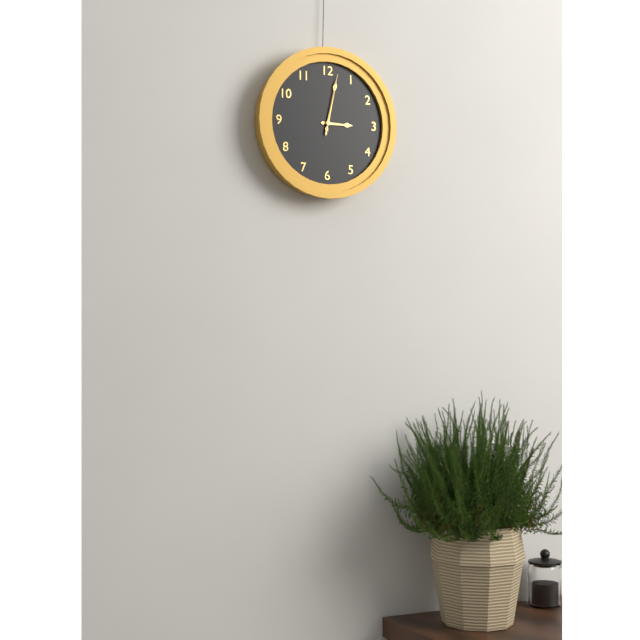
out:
3 h 02 min 02 s
